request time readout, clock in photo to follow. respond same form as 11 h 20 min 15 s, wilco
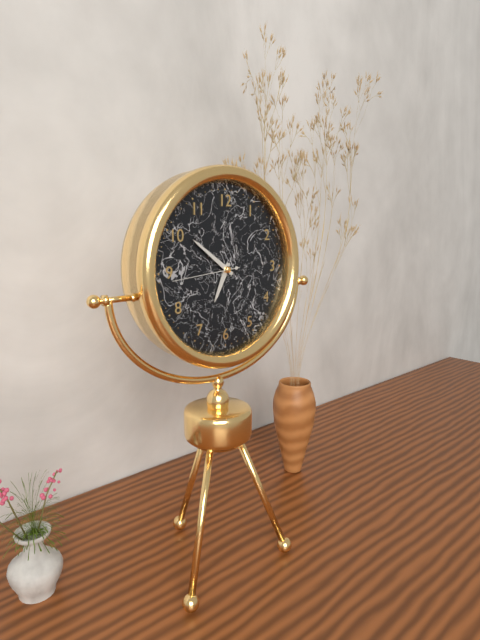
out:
6 h 51 min 44 s
